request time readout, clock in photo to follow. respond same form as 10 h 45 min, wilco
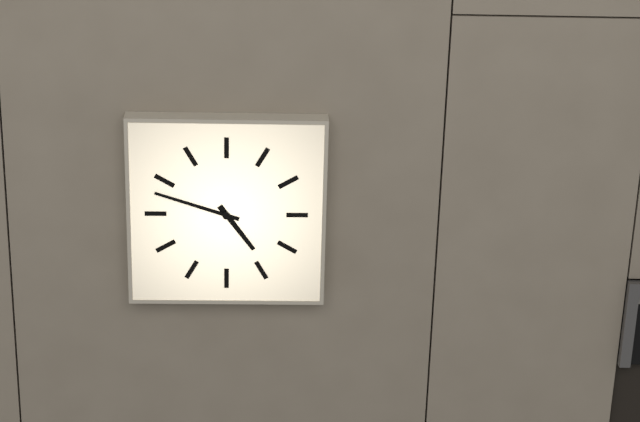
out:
4 h 48 min
